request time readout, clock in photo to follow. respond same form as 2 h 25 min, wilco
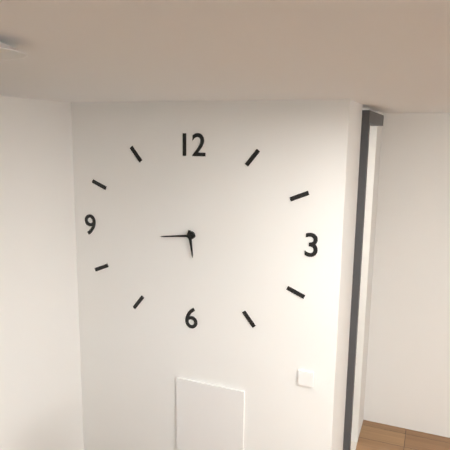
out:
5 h 44 min
